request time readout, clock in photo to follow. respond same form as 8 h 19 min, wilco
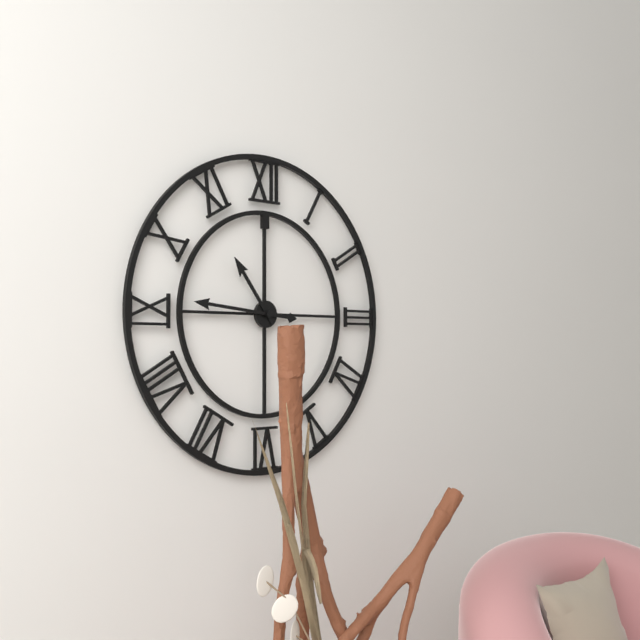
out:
10 h 46 min
